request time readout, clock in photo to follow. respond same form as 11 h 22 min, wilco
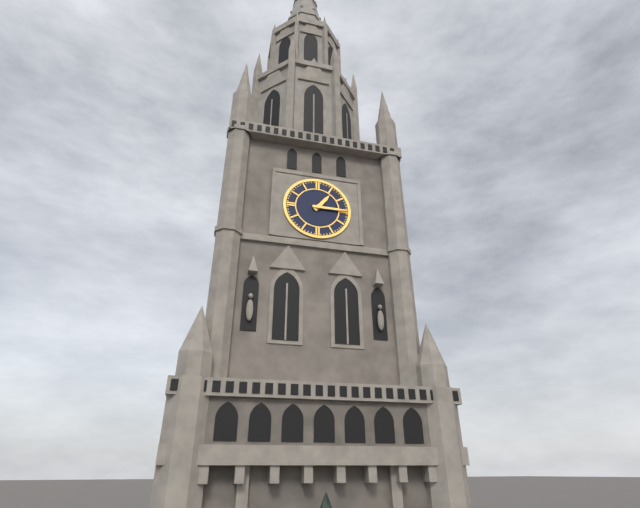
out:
1 h 15 min
